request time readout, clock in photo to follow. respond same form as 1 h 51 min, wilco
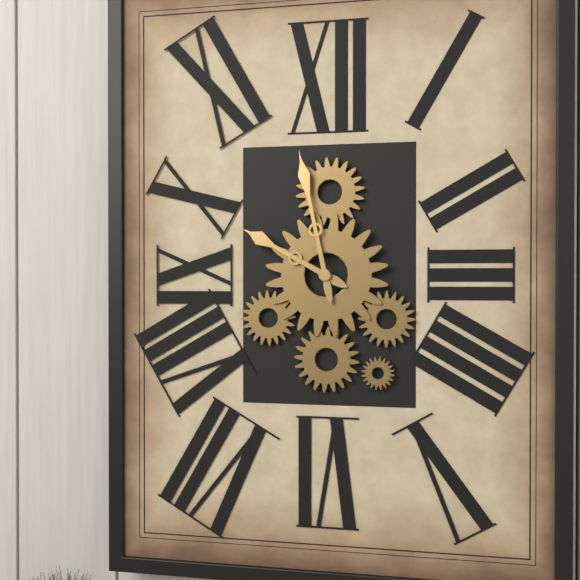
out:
9 h 58 min
